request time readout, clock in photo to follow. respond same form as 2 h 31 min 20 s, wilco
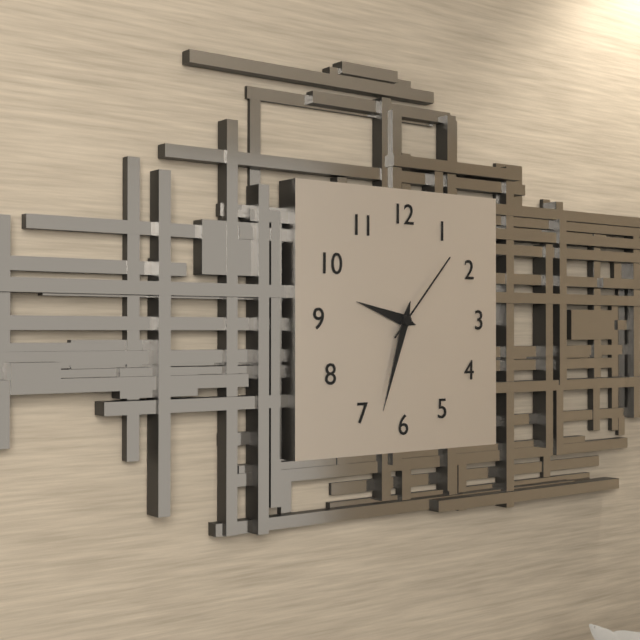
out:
9 h 33 min 07 s
